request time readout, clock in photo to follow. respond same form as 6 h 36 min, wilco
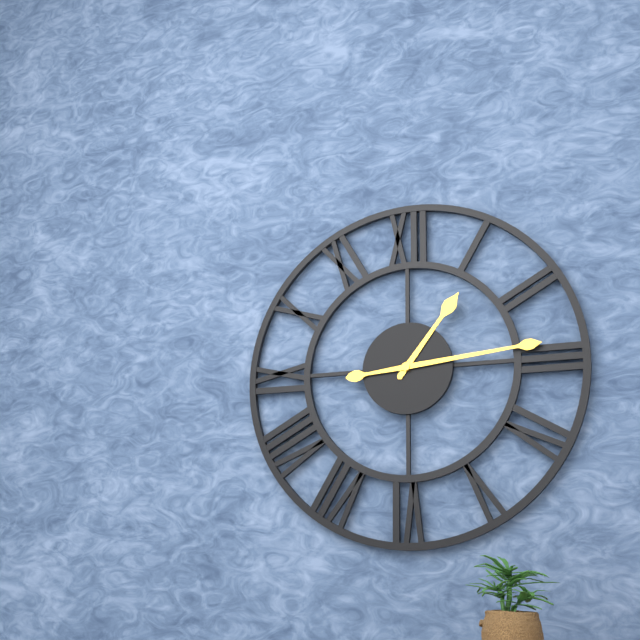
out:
1 h 14 min
